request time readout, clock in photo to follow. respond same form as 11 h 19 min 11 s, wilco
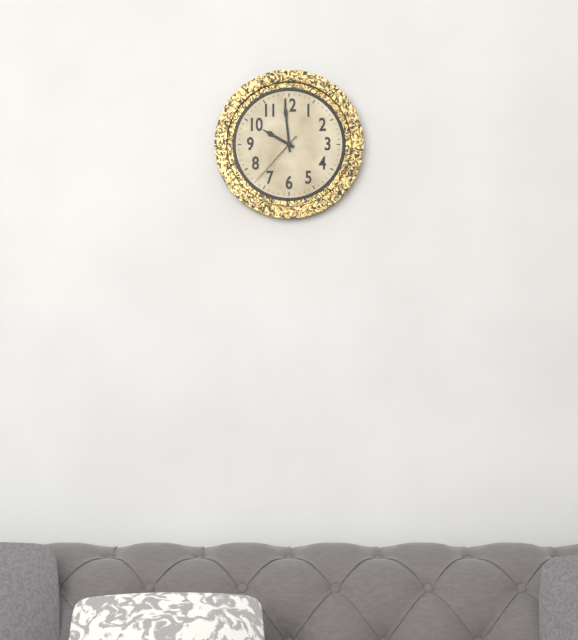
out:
9 h 59 min 37 s
